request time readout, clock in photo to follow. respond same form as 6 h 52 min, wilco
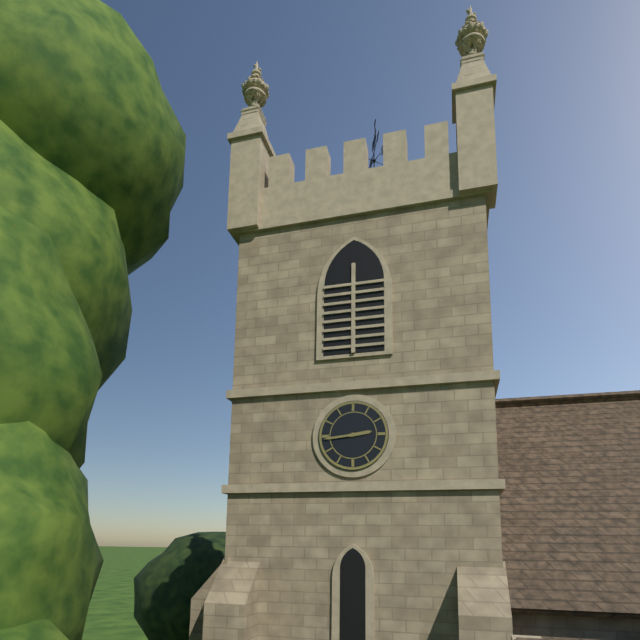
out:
2 h 44 min
